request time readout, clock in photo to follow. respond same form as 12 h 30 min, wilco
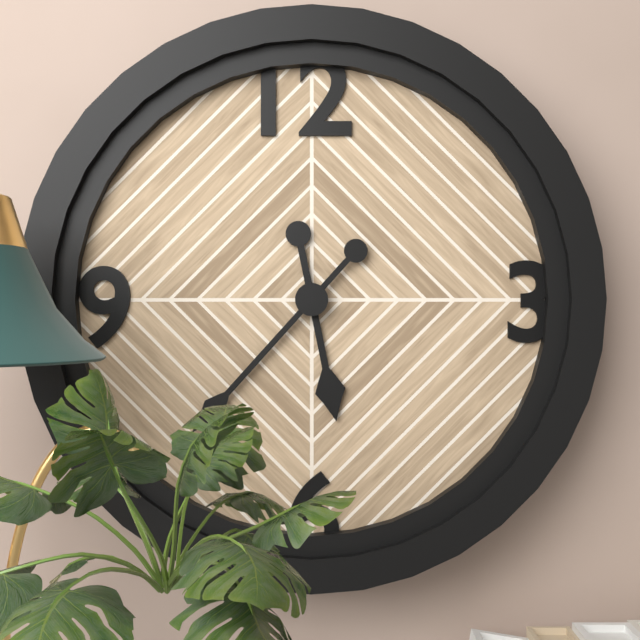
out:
5 h 37 min
